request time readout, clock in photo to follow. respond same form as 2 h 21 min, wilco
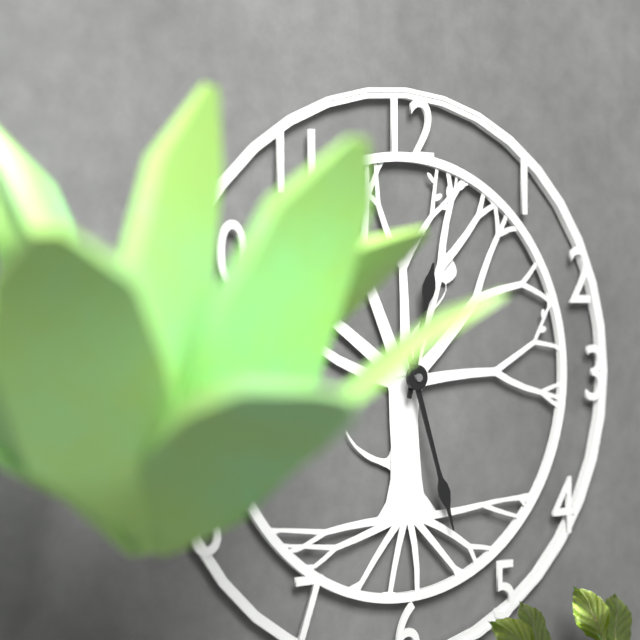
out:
12 h 27 min
